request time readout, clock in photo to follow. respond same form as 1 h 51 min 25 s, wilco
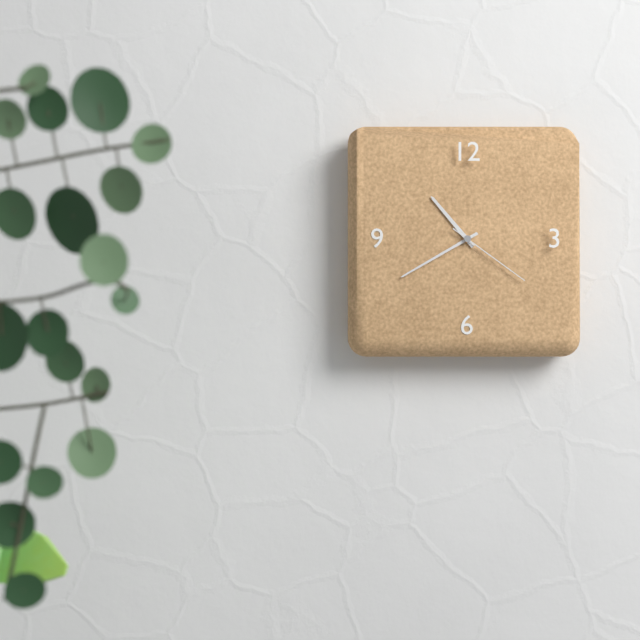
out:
10 h 40 min 21 s
